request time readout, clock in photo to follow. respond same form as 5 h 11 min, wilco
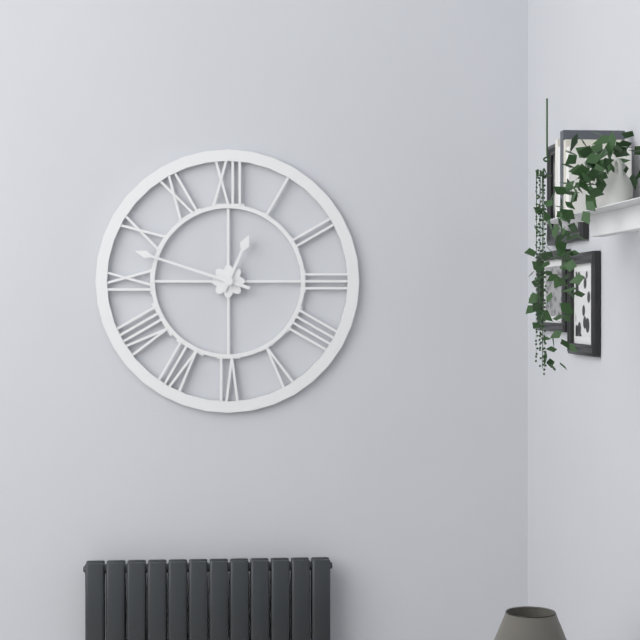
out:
12 h 48 min
